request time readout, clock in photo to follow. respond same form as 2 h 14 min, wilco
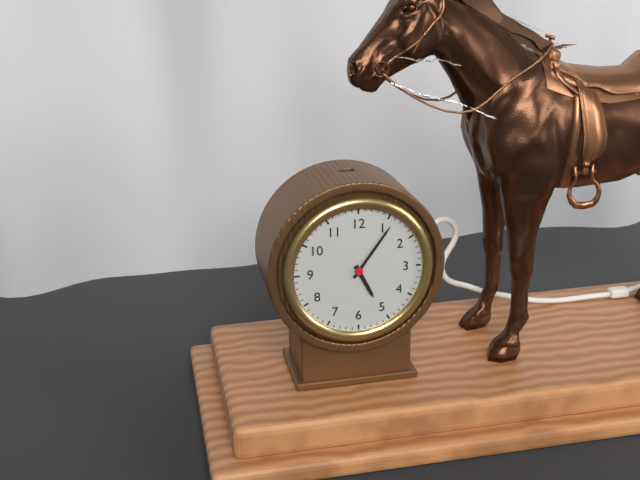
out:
5 h 06 min
